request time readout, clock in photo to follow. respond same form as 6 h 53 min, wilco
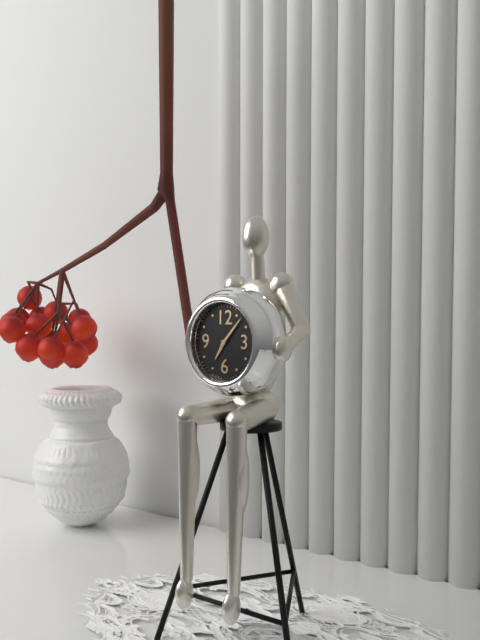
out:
7 h 07 min
